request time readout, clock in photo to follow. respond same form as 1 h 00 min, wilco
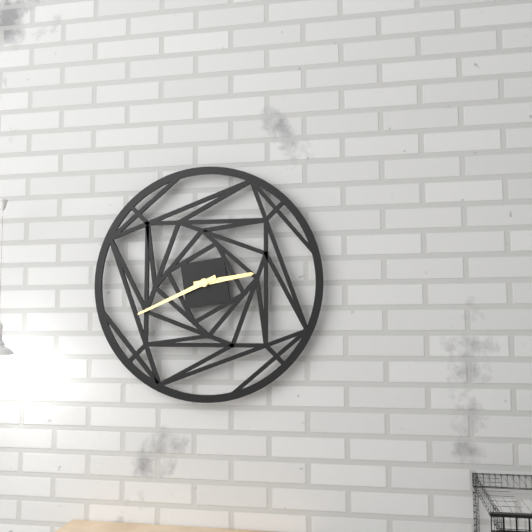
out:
2 h 41 min
